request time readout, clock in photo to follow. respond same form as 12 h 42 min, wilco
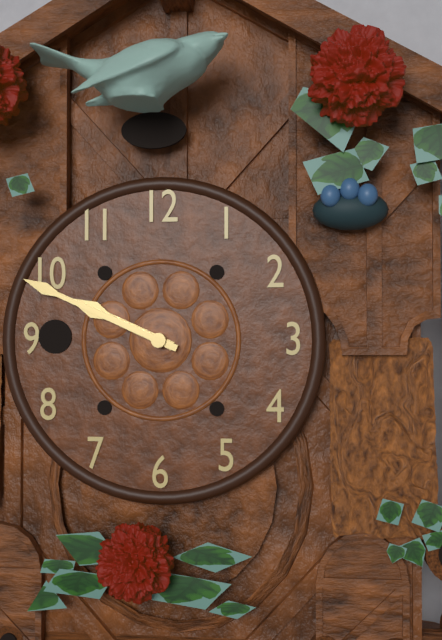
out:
9 h 49 min
